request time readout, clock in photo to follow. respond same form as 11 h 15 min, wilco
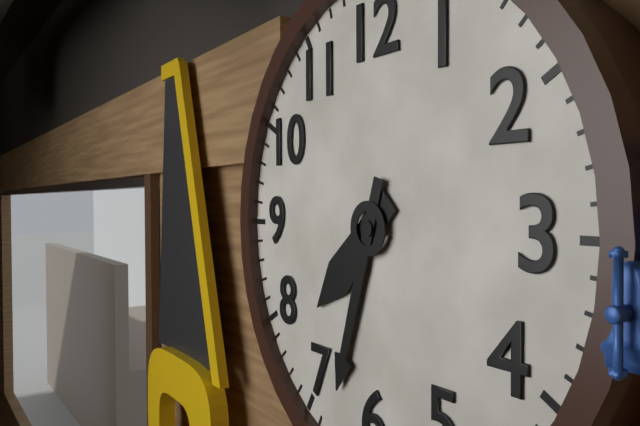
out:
7 h 33 min
